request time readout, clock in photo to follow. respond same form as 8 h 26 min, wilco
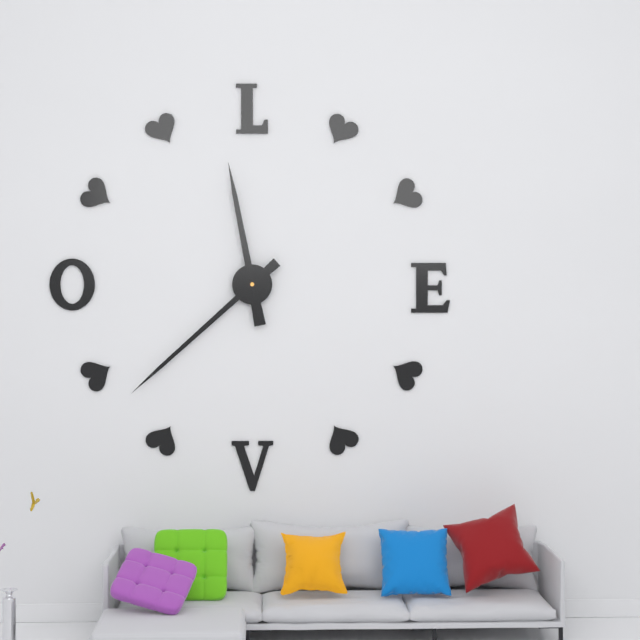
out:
11 h 38 min
